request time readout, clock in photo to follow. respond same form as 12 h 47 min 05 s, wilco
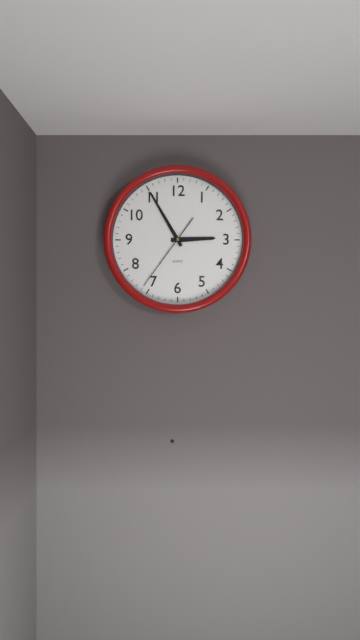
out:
2 h 55 min 36 s
